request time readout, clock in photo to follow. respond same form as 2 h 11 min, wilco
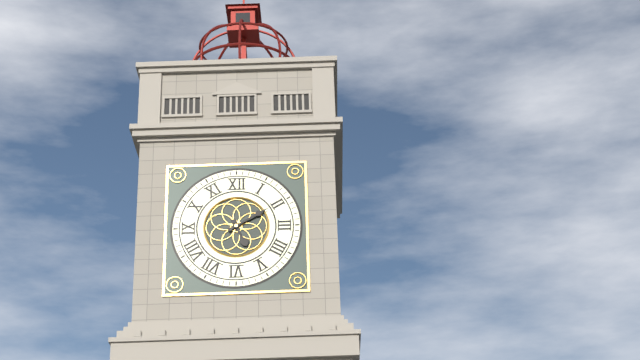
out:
5 h 10 min
